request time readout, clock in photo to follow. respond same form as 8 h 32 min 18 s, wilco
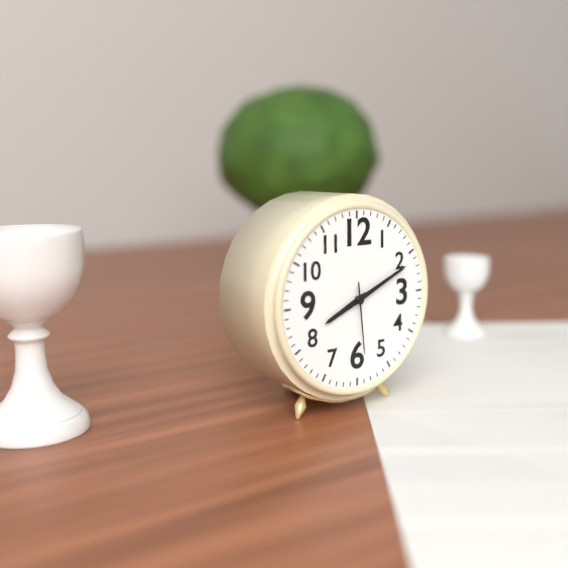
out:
8 h 11 min 29 s
